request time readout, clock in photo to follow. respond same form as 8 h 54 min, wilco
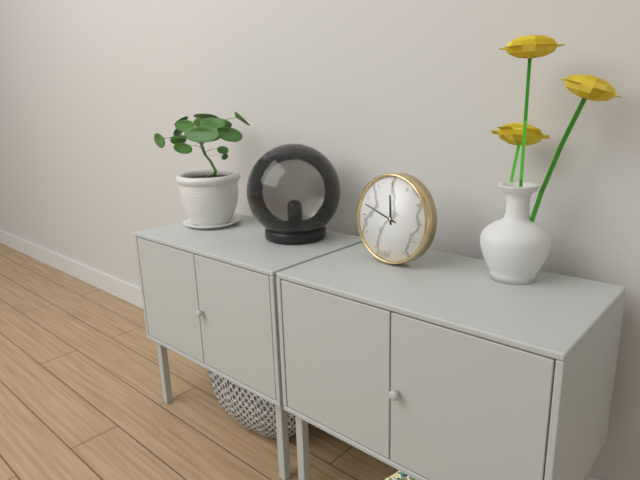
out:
11 h 48 min
